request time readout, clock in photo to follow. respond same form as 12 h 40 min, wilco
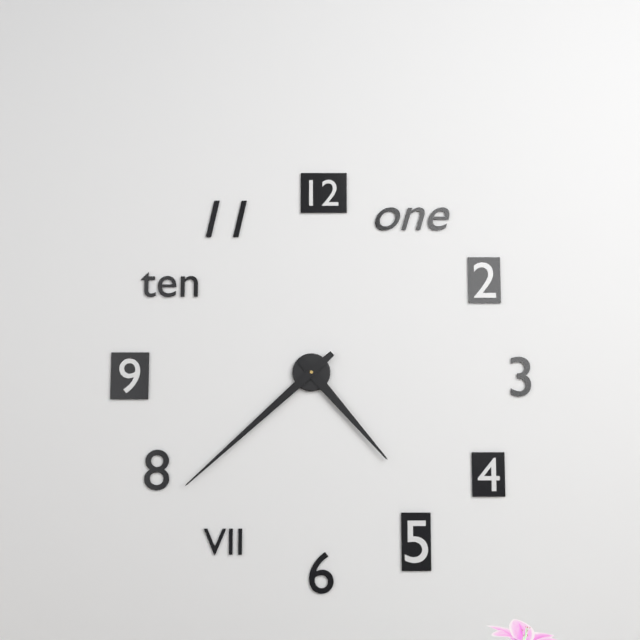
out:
4 h 38 min
